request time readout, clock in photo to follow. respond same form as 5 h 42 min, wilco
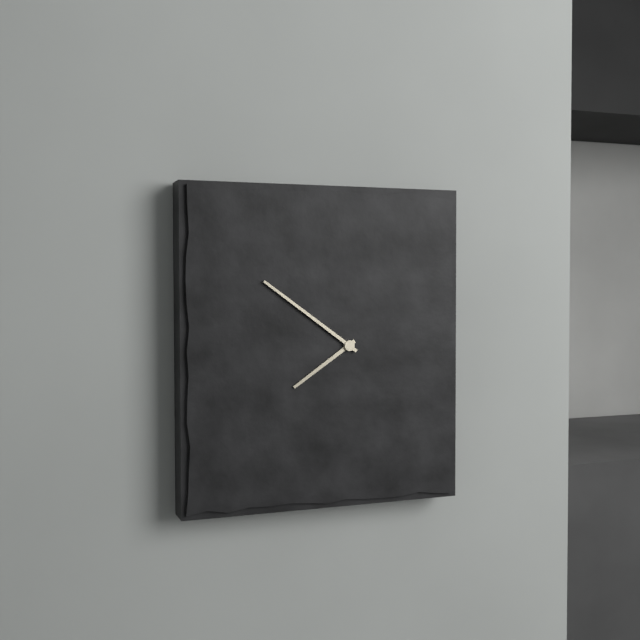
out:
7 h 51 min
